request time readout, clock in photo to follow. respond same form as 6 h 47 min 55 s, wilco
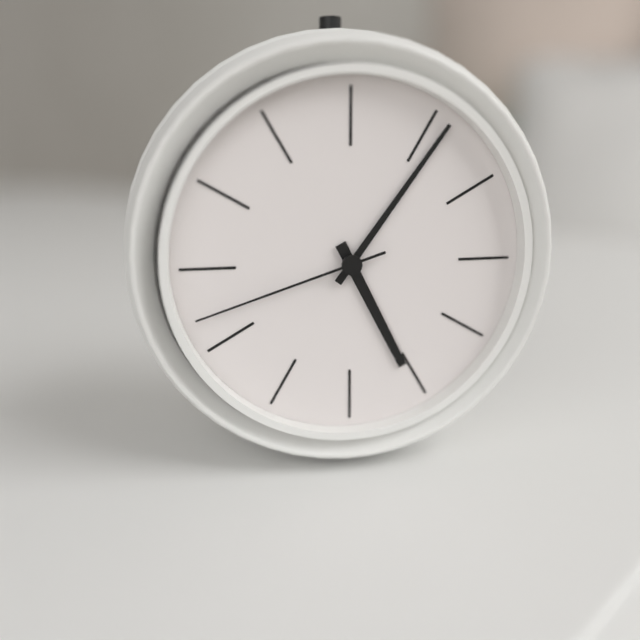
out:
5 h 06 min 42 s
